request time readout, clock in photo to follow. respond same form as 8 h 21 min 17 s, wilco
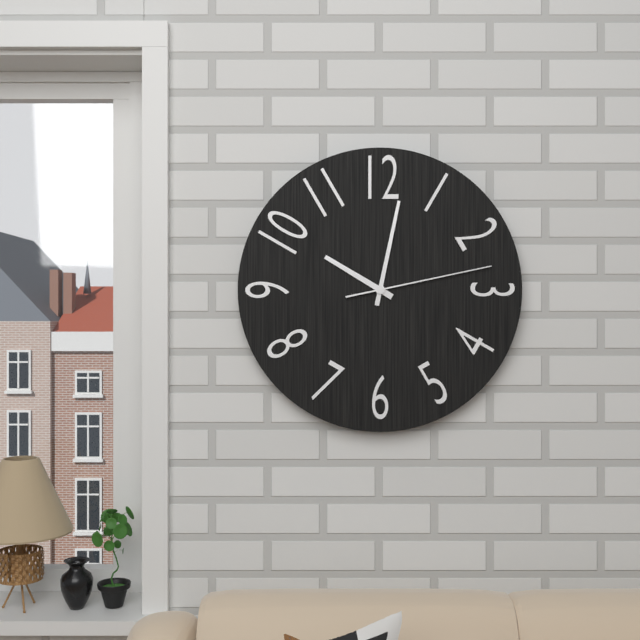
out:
10 h 02 min 13 s
